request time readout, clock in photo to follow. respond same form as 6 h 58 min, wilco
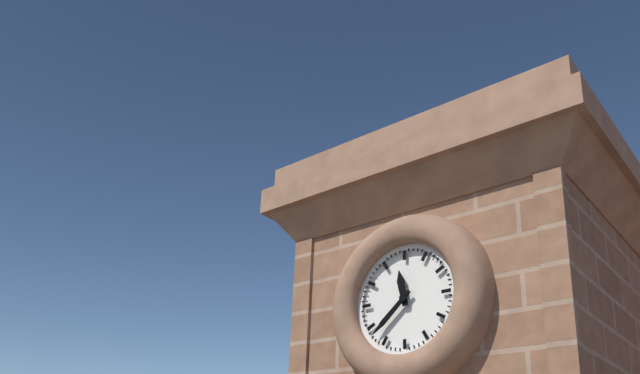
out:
11 h 38 min
